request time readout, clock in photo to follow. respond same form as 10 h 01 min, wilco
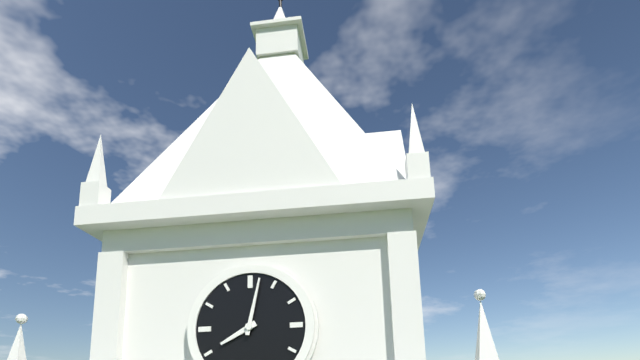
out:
8 h 02 min
